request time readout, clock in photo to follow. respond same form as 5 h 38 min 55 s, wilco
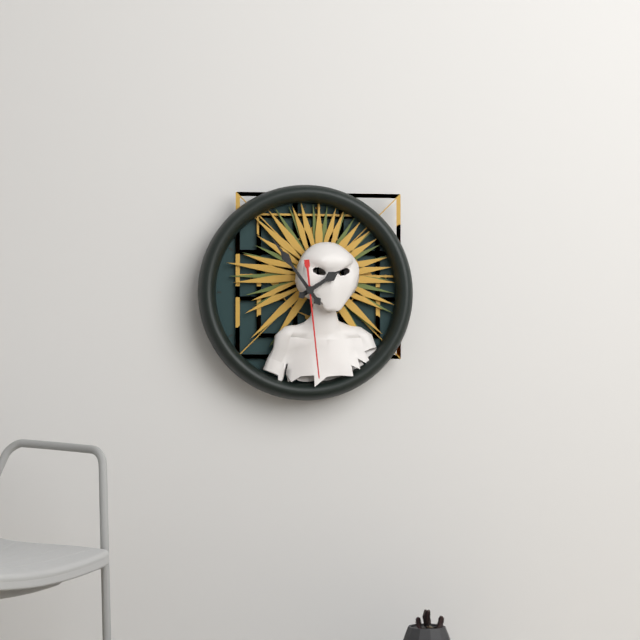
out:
1 h 54 min 29 s
